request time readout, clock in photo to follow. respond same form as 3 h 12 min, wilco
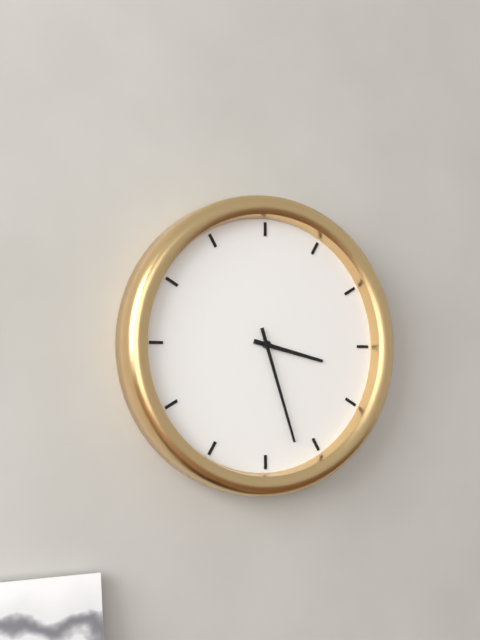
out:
3 h 27 min
